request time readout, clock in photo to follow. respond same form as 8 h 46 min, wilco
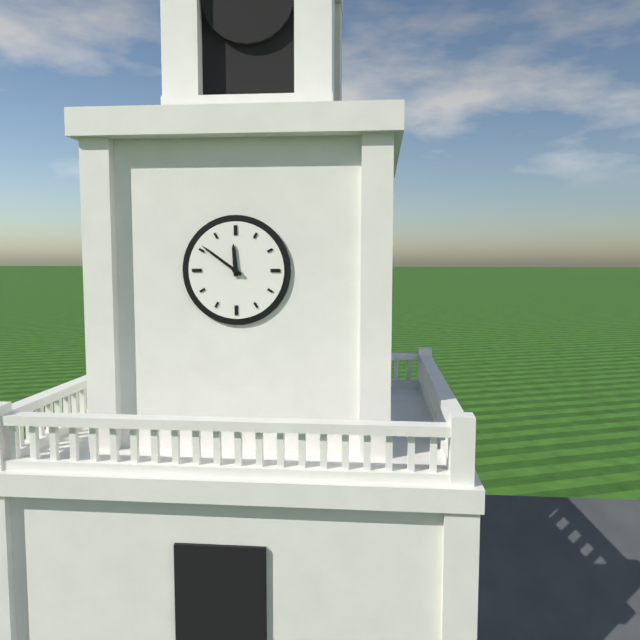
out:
11 h 51 min
